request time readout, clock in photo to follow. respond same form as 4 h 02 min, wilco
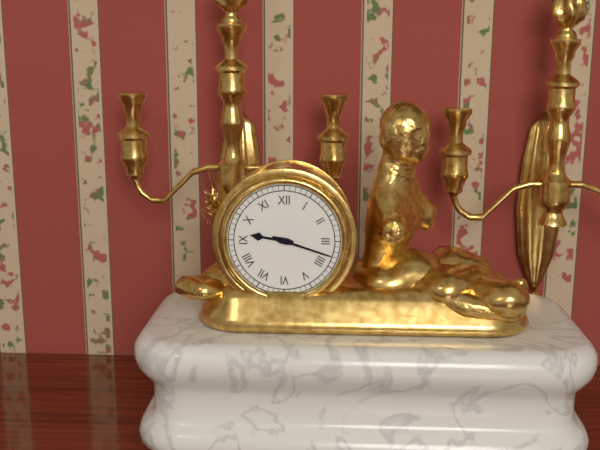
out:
9 h 18 min
